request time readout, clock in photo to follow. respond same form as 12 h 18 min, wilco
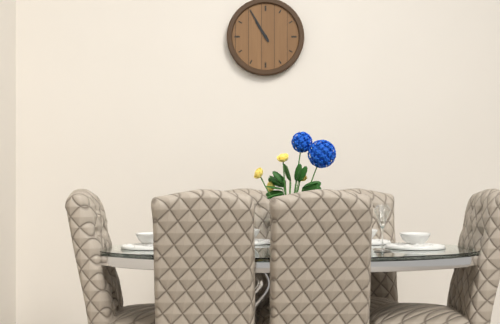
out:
10 h 55 min
